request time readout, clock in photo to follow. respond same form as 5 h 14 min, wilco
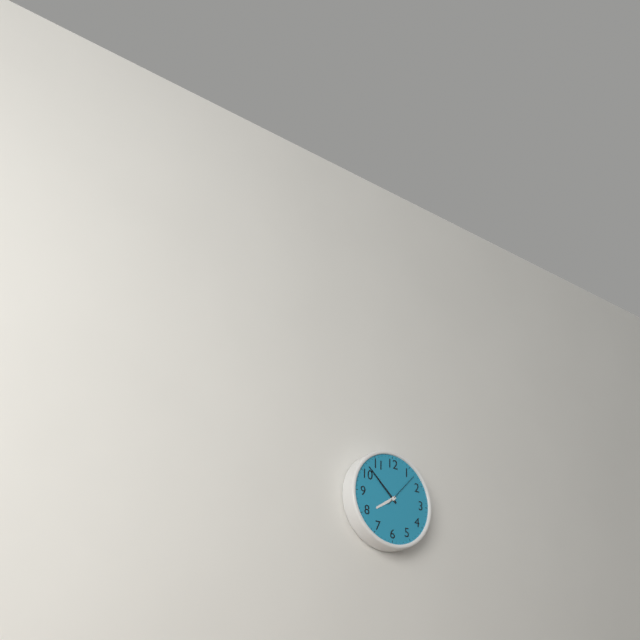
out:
7 h 52 min
